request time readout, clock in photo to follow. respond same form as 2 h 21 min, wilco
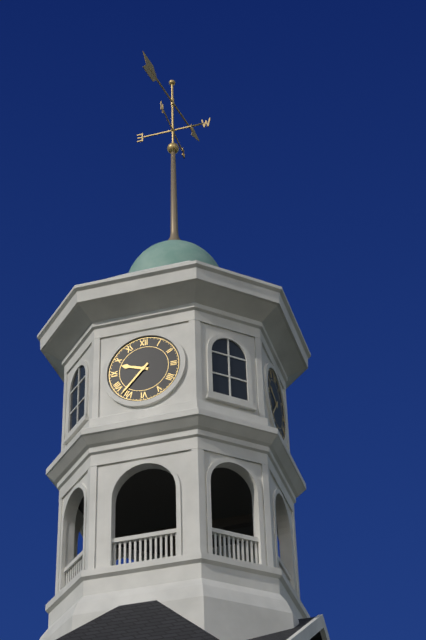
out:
9 h 37 min
